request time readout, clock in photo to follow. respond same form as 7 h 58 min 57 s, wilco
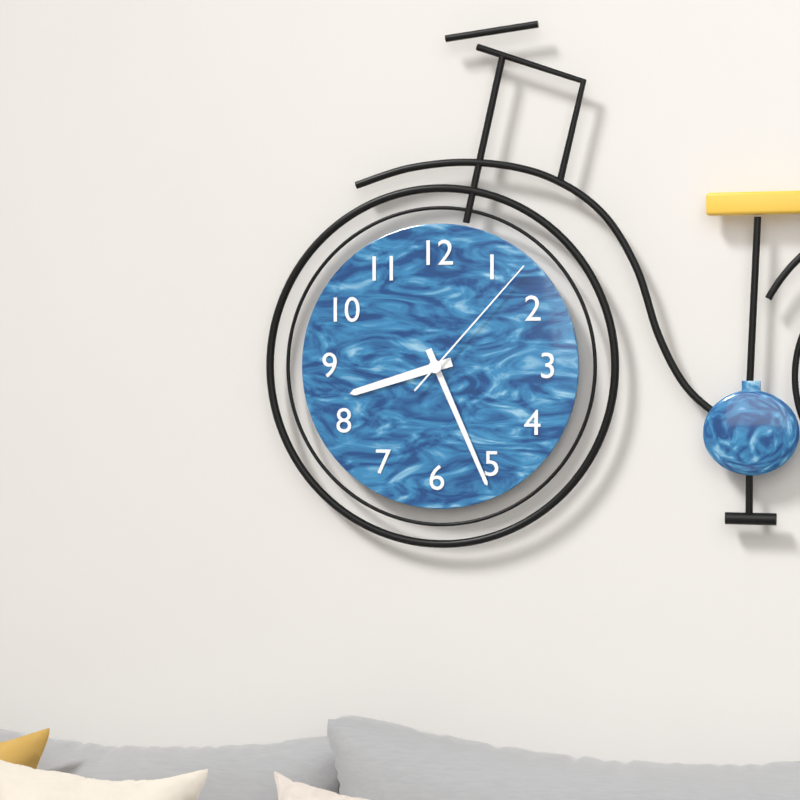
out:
8 h 26 min 07 s
